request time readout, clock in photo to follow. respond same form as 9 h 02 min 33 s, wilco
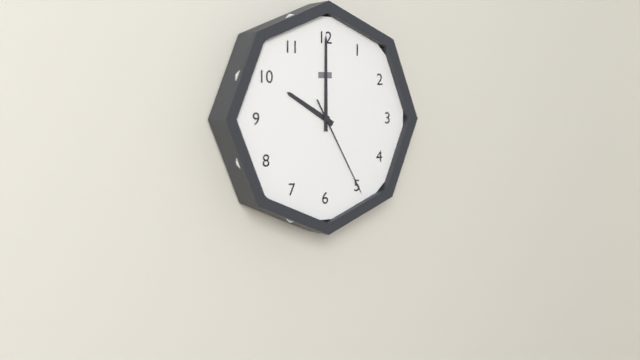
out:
10 h 00 min 25 s
